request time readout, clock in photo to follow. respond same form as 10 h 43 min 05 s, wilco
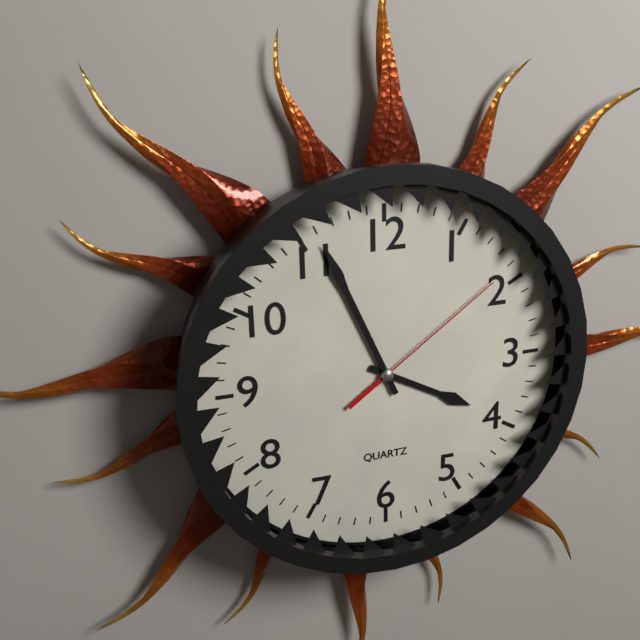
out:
3 h 56 min 09 s
